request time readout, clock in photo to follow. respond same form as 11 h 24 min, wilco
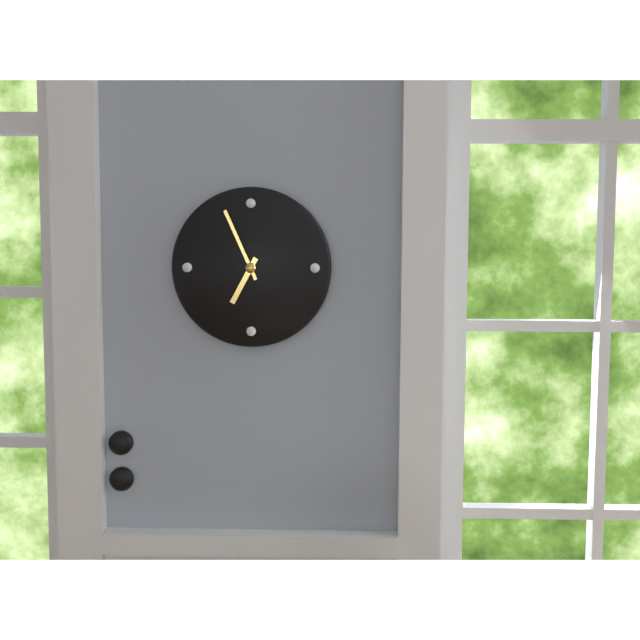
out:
6 h 56 min
